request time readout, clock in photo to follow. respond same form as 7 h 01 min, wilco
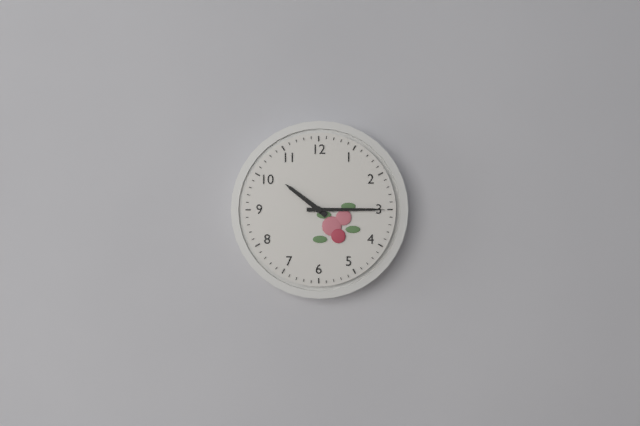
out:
10 h 15 min
